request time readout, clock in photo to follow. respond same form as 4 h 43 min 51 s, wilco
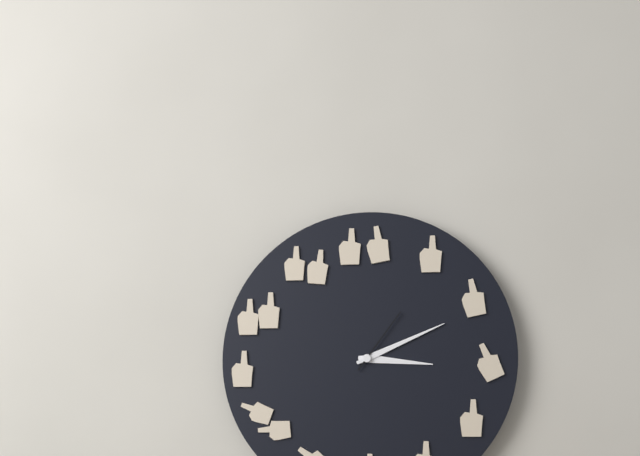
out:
3 h 11 min 06 s
